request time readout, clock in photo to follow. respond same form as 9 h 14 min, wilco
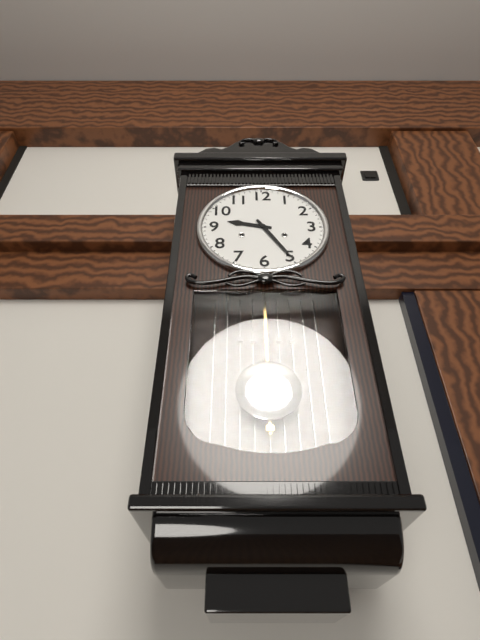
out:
9 h 25 min
